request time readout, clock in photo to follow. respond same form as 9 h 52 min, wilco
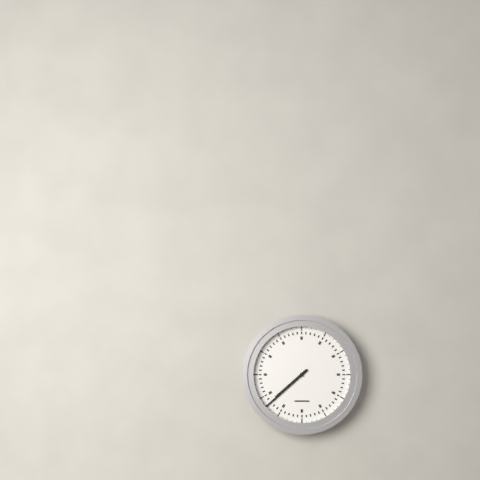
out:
7 h 38 min
